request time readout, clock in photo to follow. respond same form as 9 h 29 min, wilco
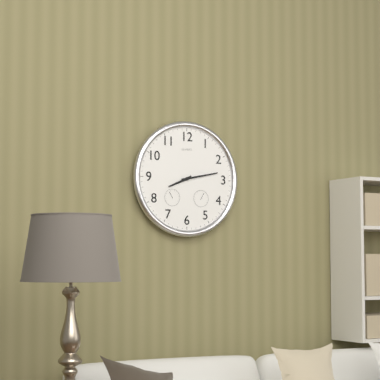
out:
8 h 13 min
